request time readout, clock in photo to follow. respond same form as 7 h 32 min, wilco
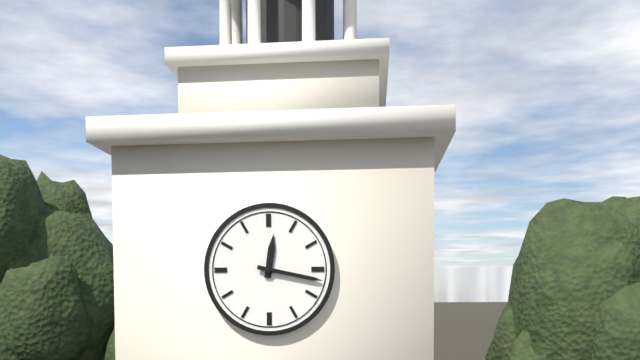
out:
12 h 17 min
